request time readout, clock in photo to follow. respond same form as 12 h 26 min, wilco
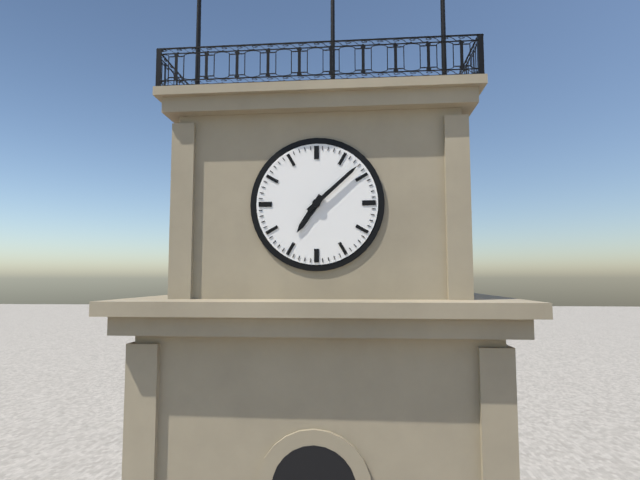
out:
7 h 08 min
